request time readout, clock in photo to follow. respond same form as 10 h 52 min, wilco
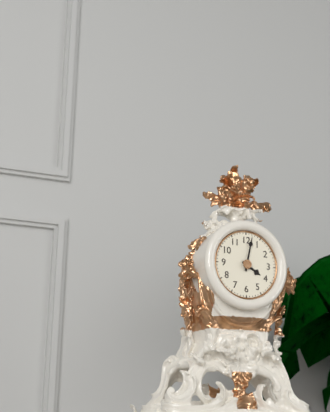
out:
4 h 02 min
